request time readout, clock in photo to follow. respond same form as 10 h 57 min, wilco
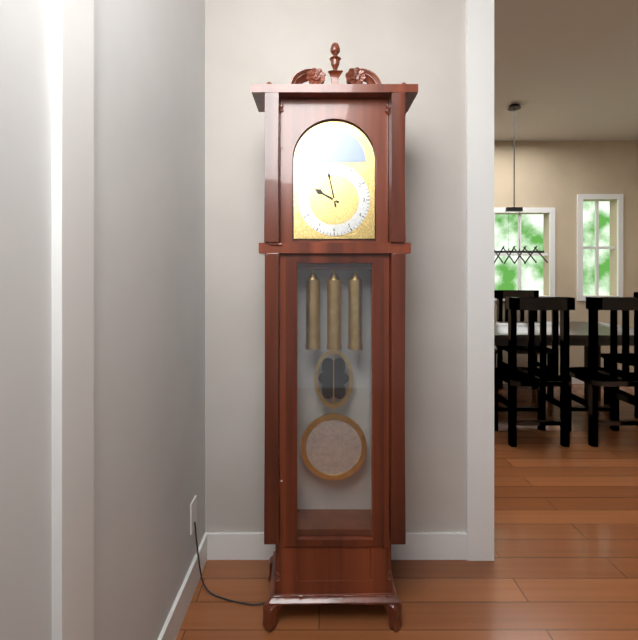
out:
9 h 58 min
